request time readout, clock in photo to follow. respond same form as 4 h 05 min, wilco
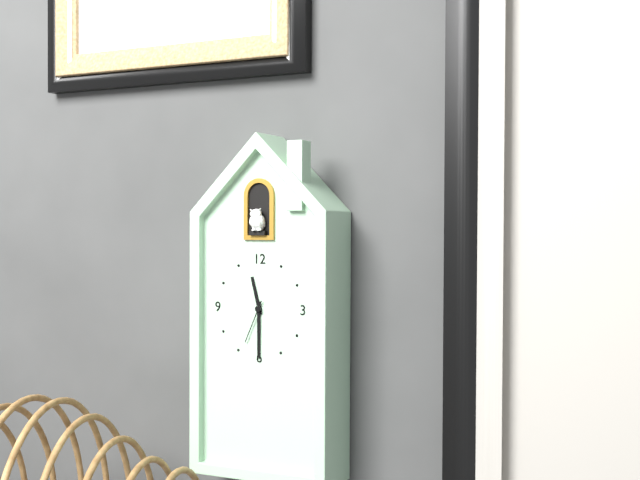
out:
11 h 30 min
